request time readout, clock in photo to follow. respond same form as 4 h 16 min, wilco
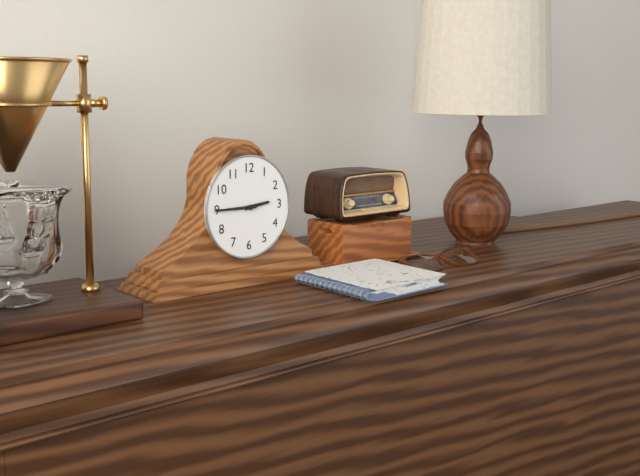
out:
2 h 45 min
